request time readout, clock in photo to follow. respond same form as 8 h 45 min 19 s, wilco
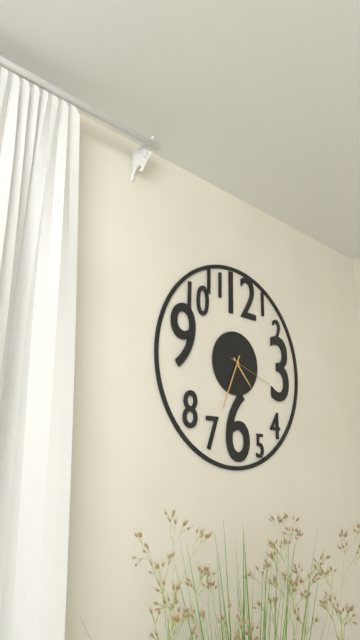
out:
4 h 34 min 18 s
